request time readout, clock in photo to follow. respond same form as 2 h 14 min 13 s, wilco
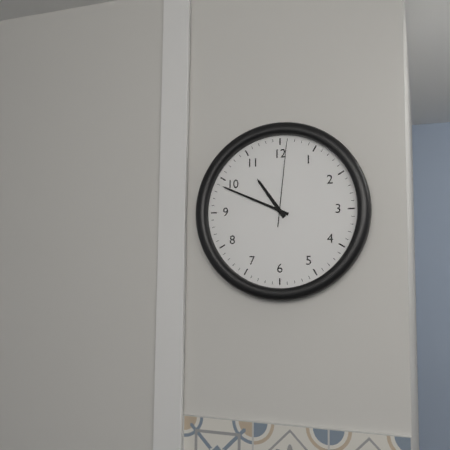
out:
10 h 49 min 01 s
